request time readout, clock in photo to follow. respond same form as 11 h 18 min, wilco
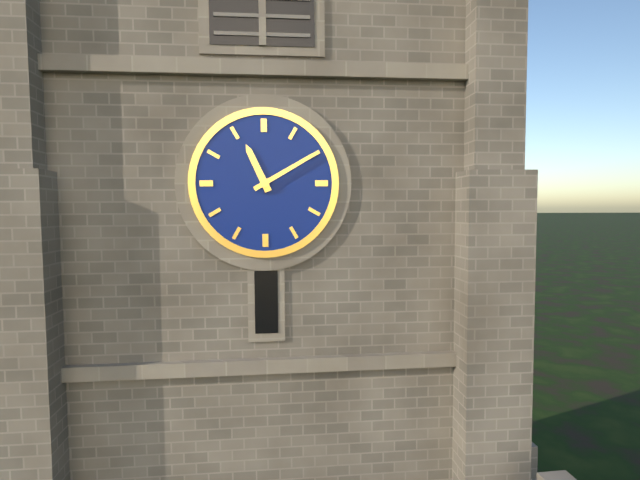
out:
11 h 10 min
